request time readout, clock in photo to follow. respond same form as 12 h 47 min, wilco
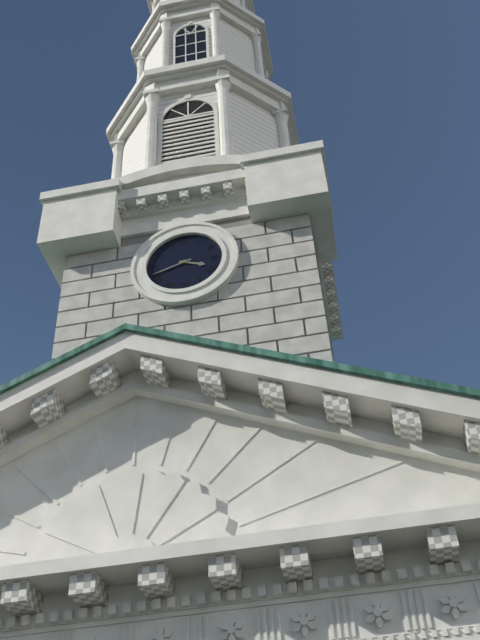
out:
3 h 42 min
